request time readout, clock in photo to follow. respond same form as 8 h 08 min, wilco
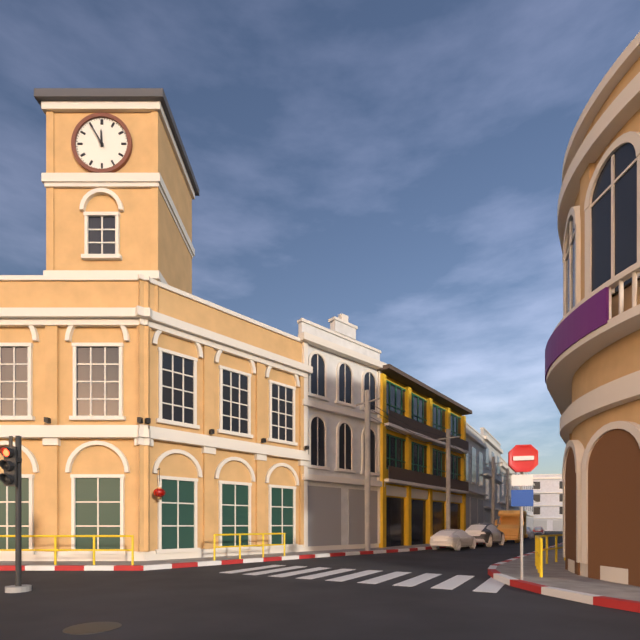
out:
11 h 55 min
